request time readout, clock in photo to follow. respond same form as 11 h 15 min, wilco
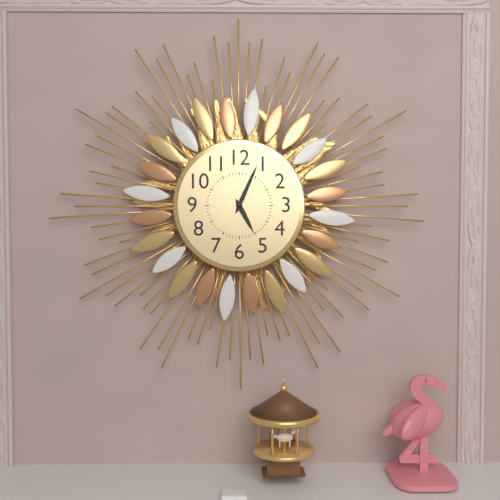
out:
5 h 04 min
